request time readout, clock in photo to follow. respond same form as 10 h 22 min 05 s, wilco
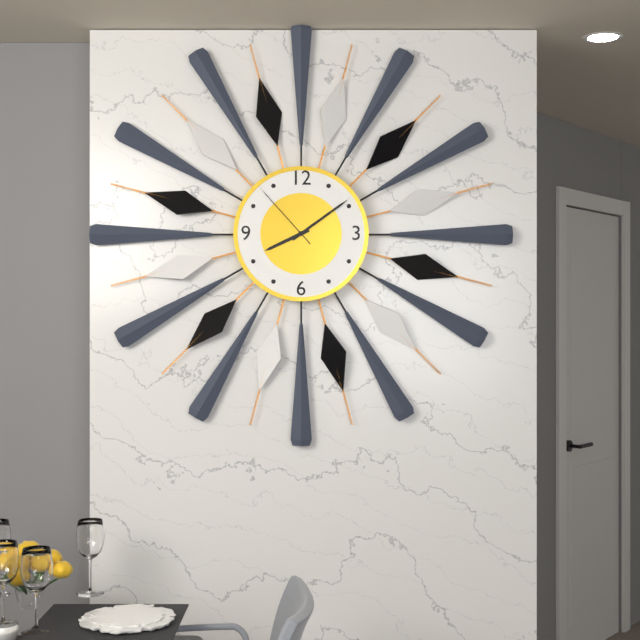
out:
8 h 09 min 53 s
